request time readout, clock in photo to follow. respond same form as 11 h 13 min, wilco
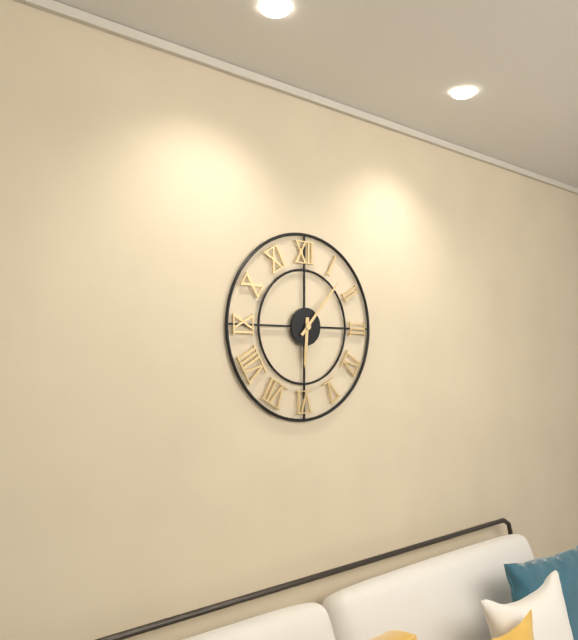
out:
6 h 07 min
